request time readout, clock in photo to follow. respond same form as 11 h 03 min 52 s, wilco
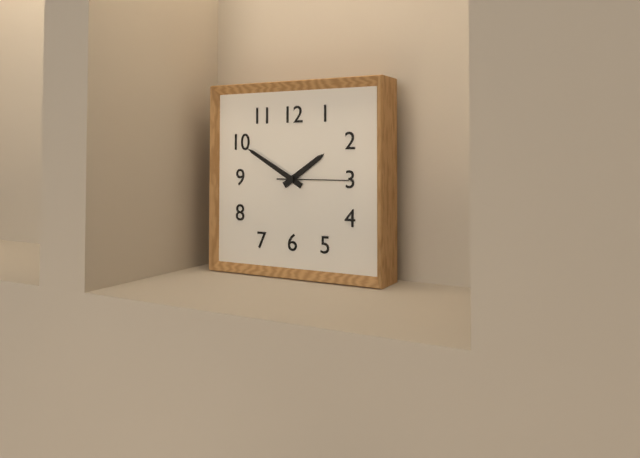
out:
1 h 50 min 15 s
